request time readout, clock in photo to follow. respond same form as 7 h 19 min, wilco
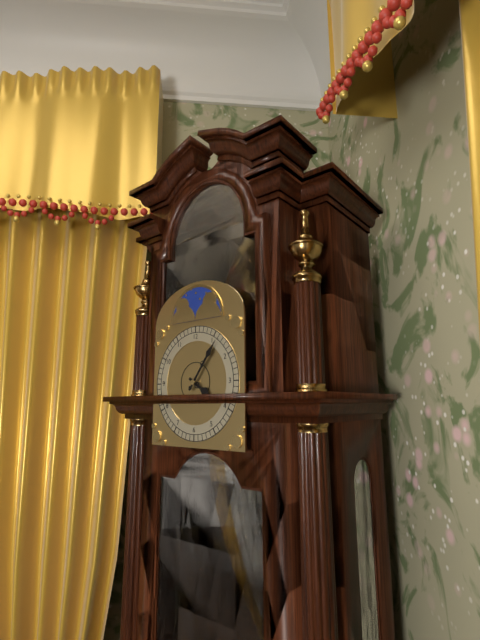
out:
4 h 06 min
